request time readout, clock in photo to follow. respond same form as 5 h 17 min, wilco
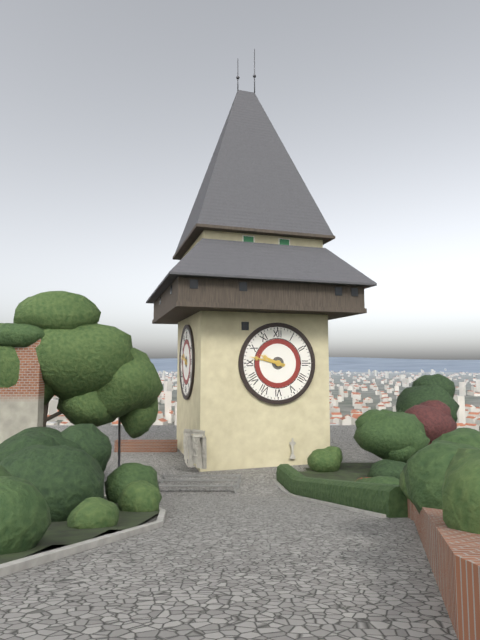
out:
9 h 47 min
